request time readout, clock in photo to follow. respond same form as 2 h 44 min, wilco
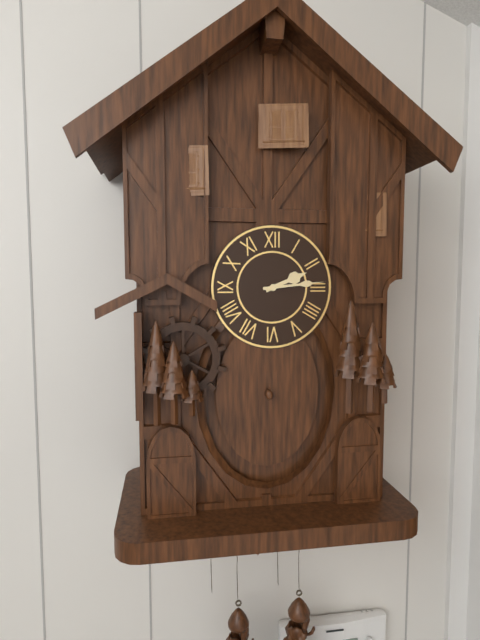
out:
2 h 14 min
